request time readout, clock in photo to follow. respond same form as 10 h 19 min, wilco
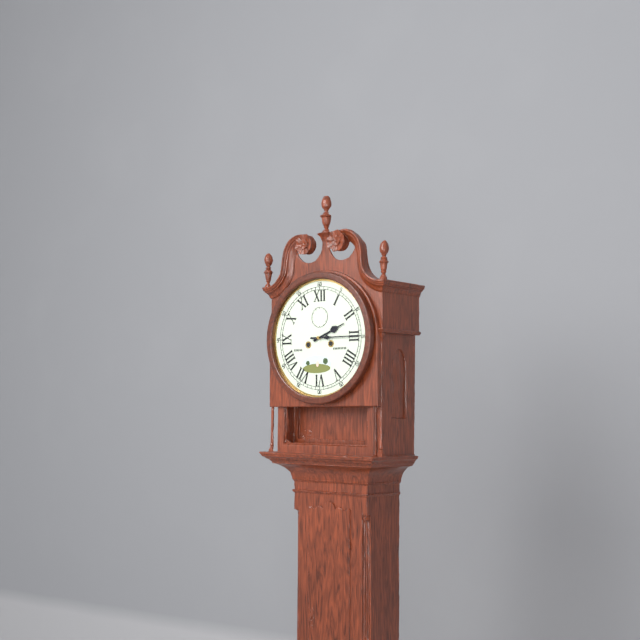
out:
2 h 15 min
